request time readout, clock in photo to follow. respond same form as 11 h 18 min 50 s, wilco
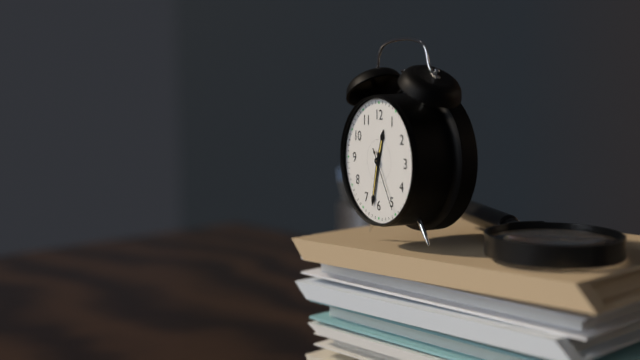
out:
12 h 32 min 25 s
